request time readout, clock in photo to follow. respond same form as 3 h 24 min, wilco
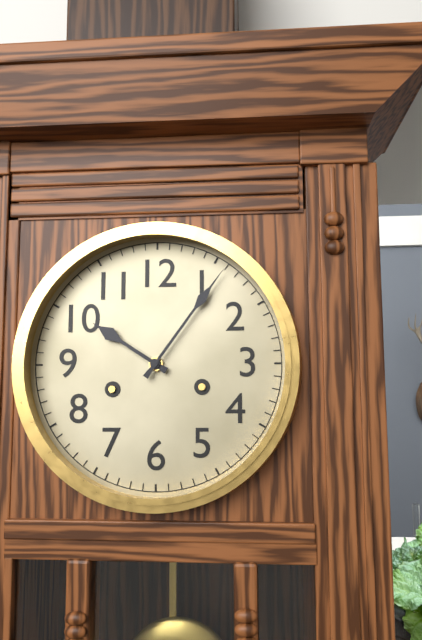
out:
10 h 06 min
